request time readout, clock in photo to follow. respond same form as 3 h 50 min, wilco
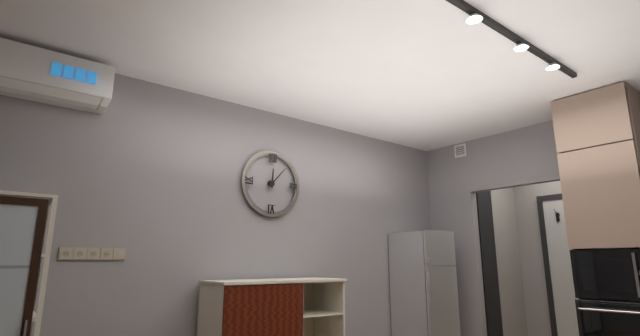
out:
12 h 07 min
